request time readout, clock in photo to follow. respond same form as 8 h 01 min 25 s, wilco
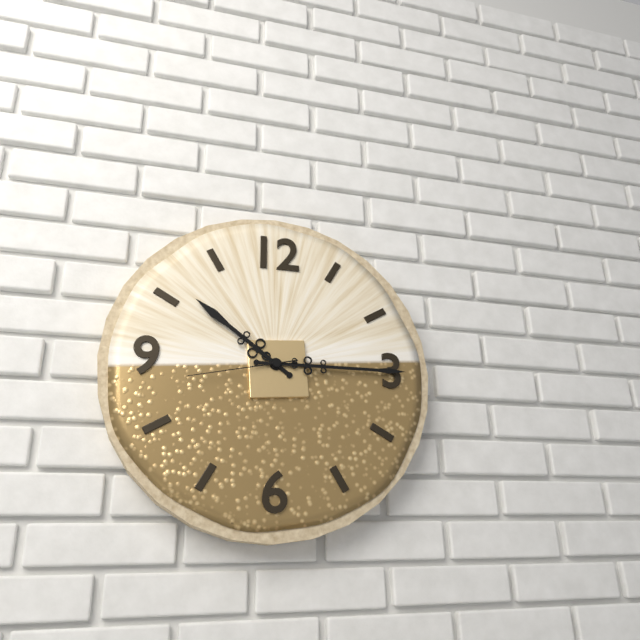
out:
10 h 15 min 43 s
